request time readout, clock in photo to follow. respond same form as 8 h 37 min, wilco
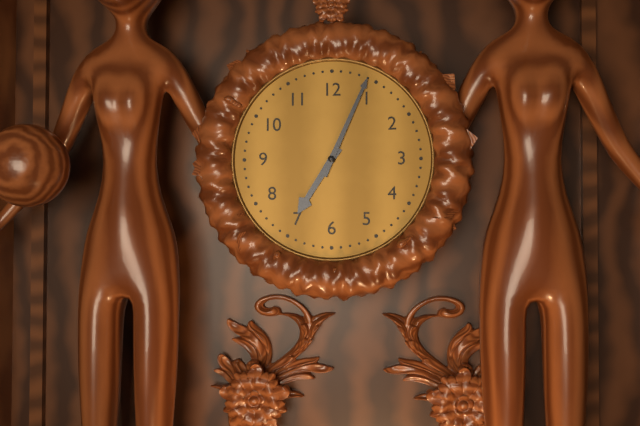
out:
7 h 04 min
